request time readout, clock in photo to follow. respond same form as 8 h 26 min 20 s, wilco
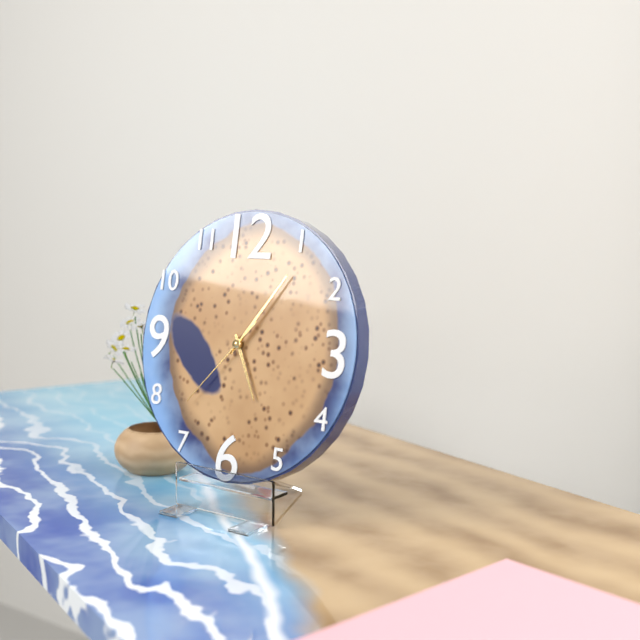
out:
5 h 06 min 37 s
